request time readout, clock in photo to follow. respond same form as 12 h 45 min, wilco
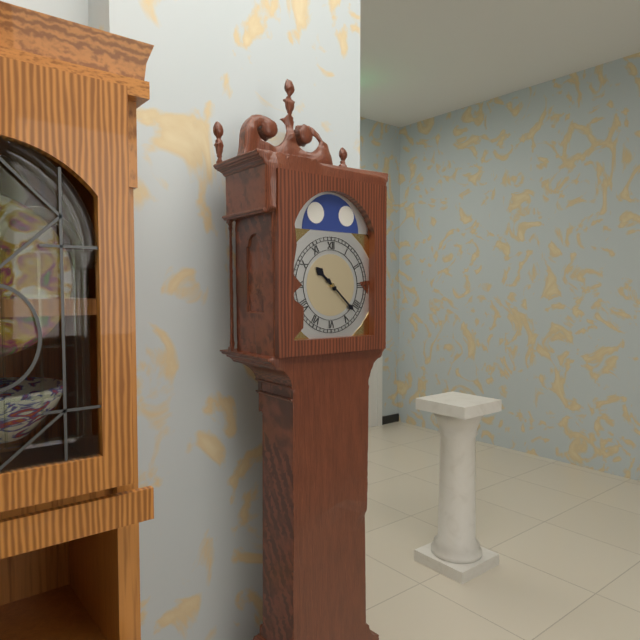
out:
10 h 22 min
